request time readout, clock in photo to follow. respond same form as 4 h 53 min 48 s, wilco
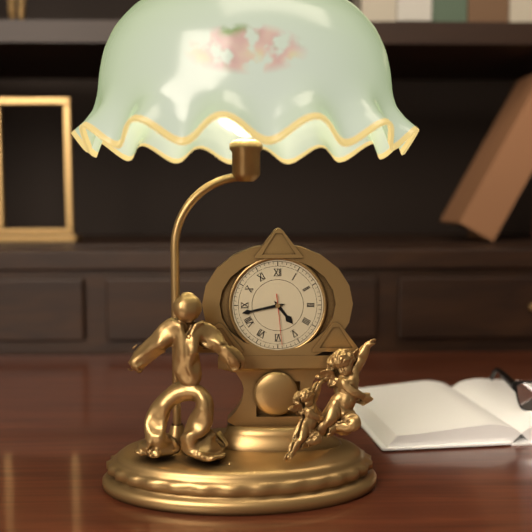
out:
4 h 43 min 29 s
